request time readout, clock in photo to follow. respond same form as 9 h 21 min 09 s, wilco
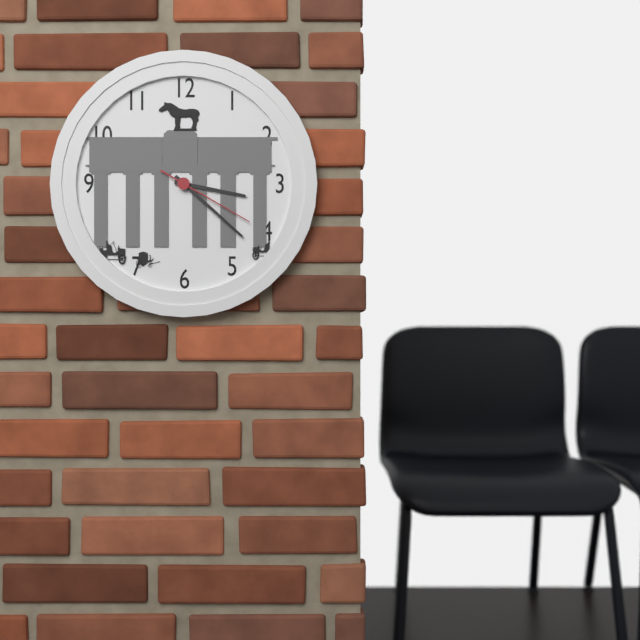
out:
3 h 22 min 20 s
